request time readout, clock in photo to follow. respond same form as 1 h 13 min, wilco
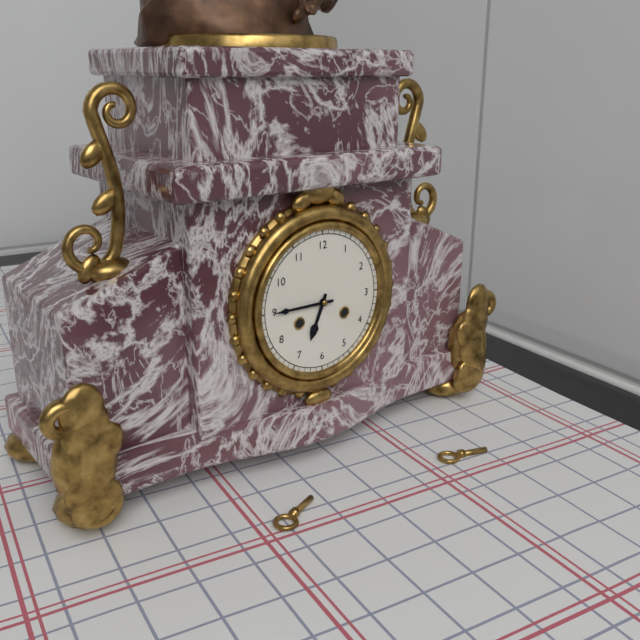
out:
6 h 45 min
